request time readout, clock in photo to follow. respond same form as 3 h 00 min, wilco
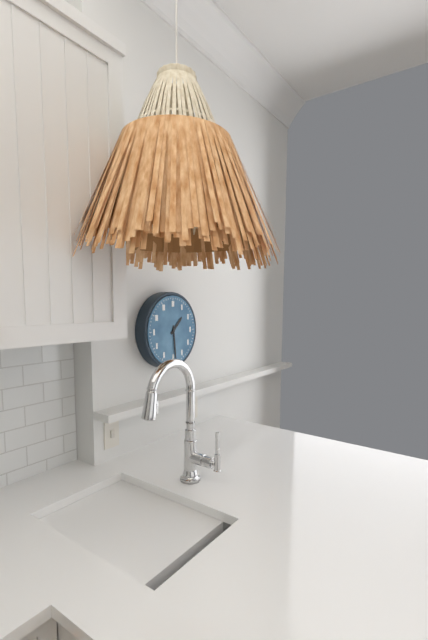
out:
1 h 29 min
